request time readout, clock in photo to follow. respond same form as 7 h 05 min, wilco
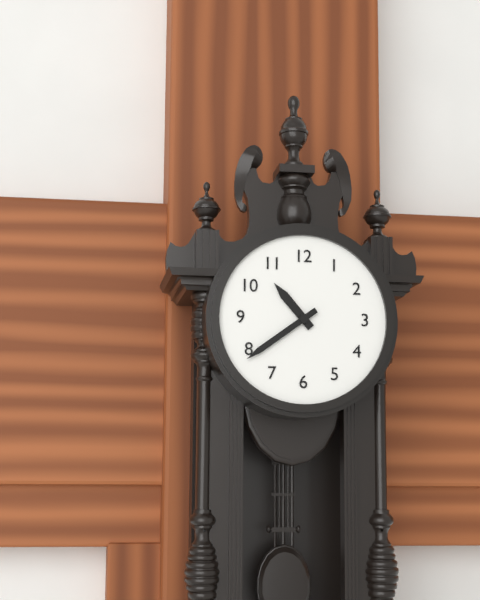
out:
10 h 39 min
